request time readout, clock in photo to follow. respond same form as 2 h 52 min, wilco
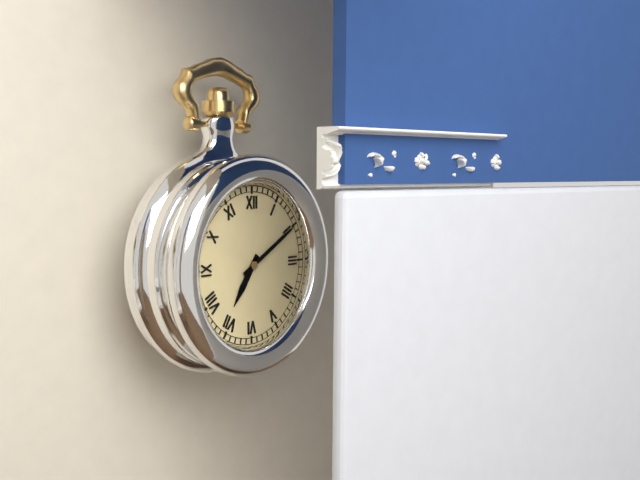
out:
7 h 10 min
